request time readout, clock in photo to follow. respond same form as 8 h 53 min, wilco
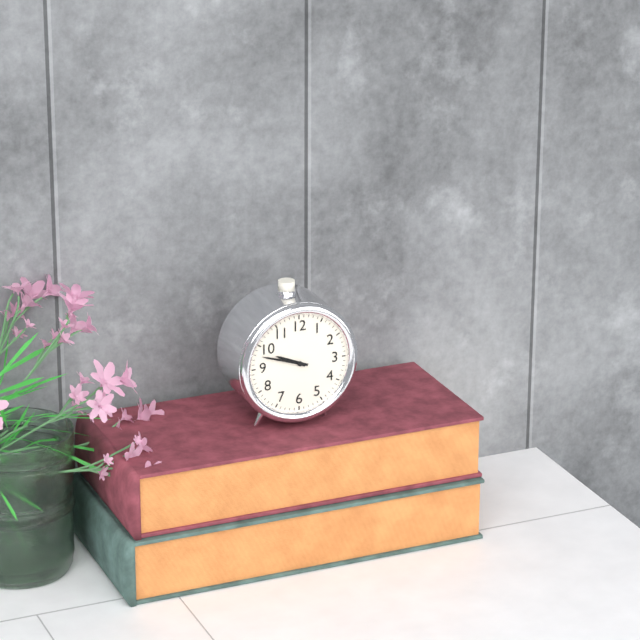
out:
9 h 48 min
